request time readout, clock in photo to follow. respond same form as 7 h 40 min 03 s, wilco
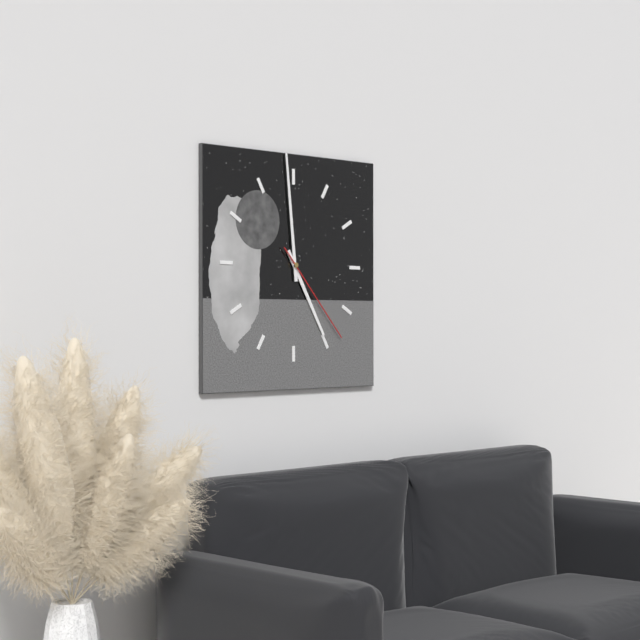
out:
4 h 59 min 23 s
